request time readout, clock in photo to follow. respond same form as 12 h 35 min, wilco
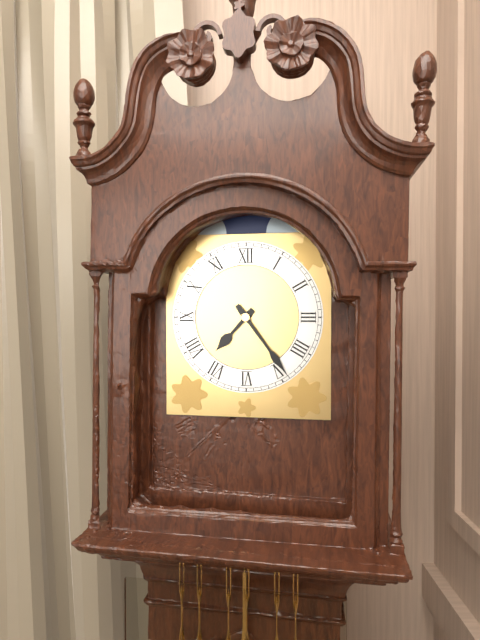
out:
7 h 24 min
